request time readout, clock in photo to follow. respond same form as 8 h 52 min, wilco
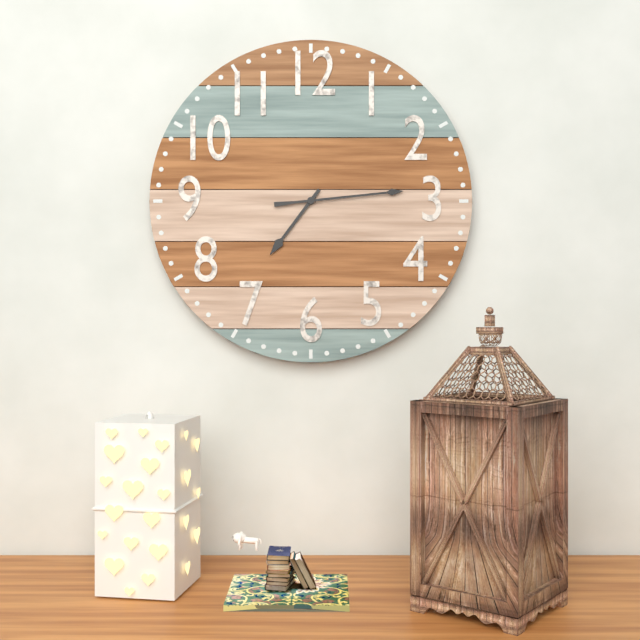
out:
7 h 14 min
